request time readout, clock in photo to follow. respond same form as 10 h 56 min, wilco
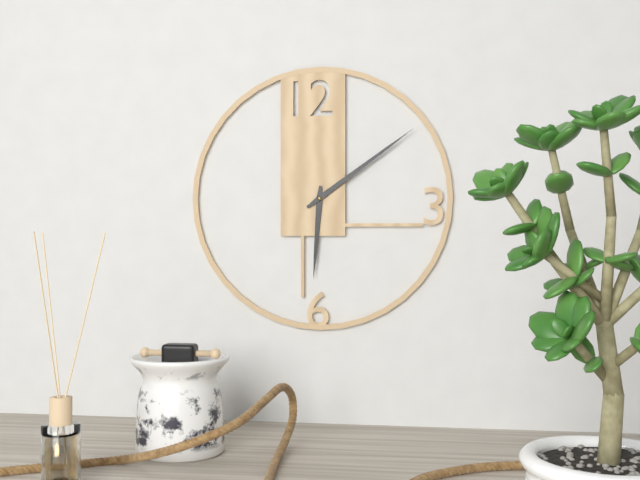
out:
6 h 09 min
